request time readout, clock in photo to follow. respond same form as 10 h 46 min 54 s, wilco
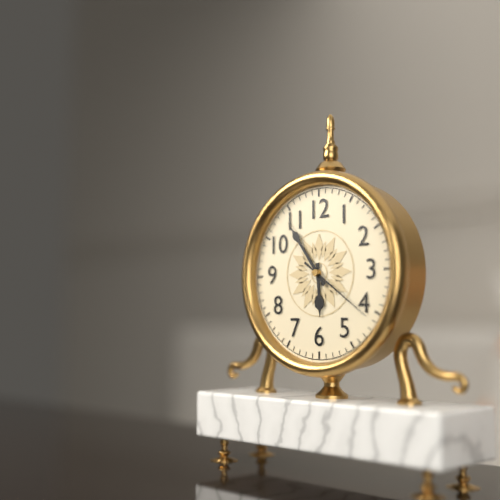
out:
5 h 54 min 21 s
